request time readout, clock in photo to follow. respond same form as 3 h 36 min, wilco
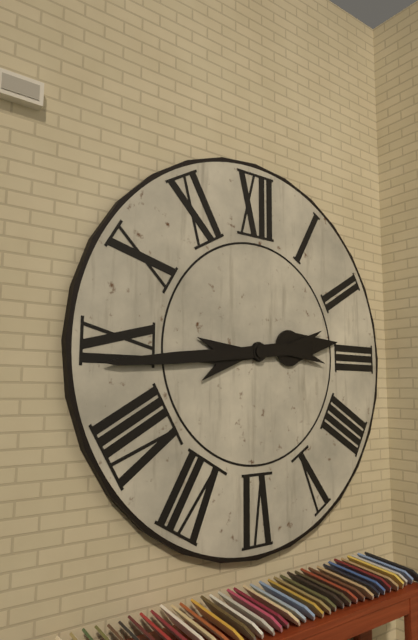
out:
2 h 44 min
